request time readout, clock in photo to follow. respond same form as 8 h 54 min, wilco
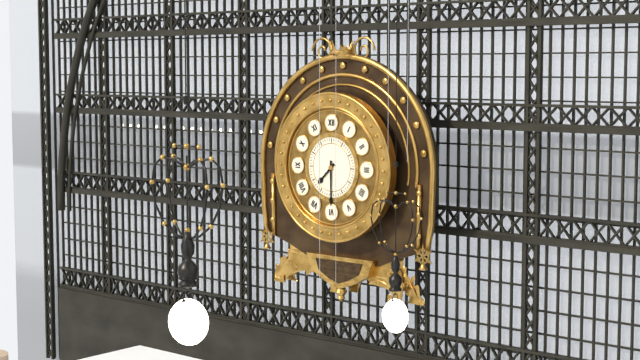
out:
7 h 30 min
